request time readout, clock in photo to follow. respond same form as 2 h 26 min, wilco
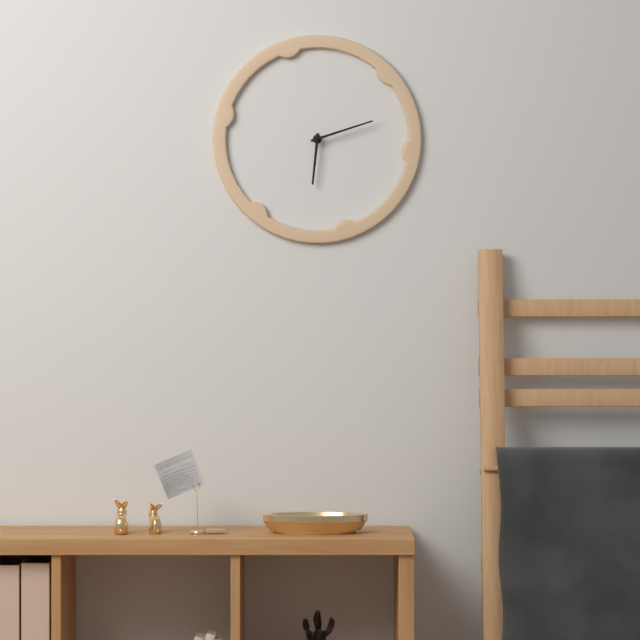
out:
6 h 12 min
